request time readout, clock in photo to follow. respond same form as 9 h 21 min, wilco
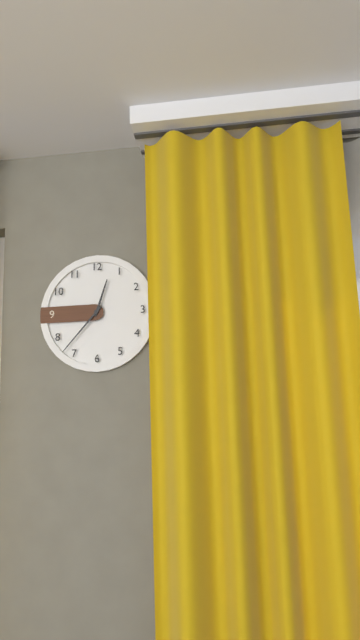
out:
12 h 37 min
